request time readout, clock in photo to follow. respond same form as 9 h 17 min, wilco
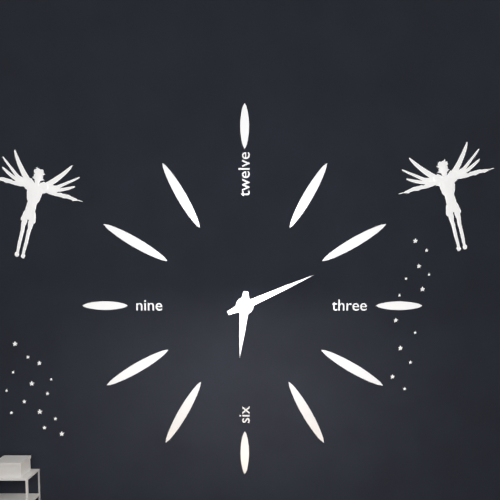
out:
6 h 11 min
